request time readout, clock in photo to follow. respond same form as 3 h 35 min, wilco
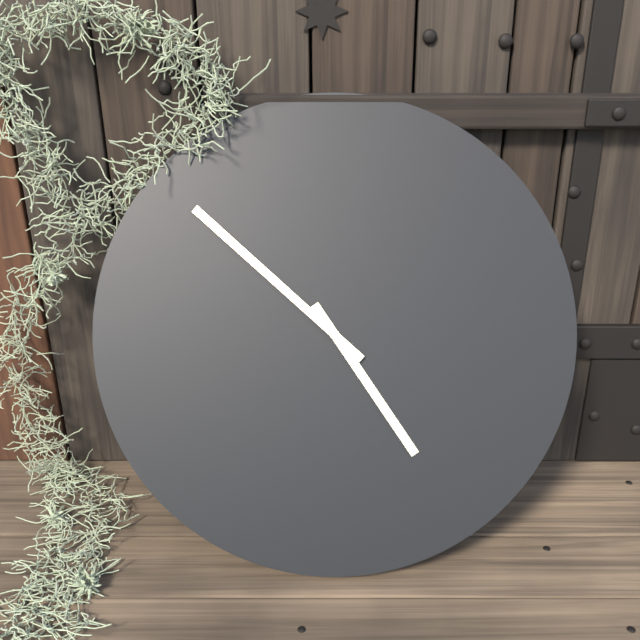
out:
4 h 52 min
